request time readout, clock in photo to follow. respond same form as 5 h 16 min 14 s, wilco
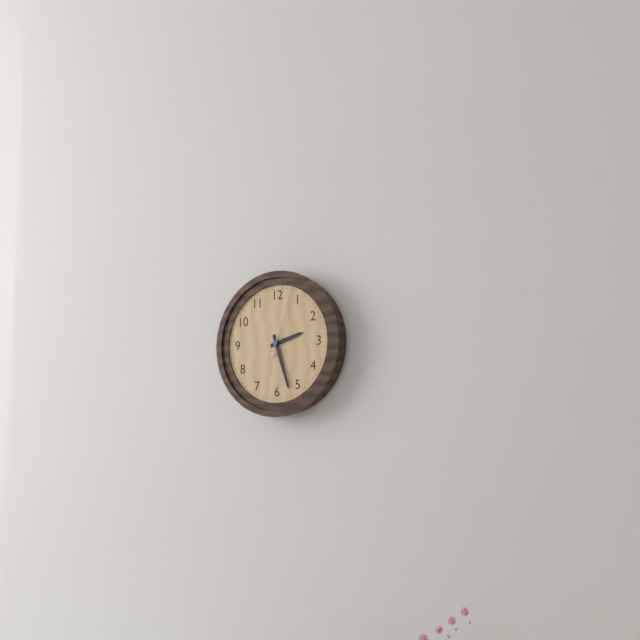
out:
2 h 27 min 03 s
